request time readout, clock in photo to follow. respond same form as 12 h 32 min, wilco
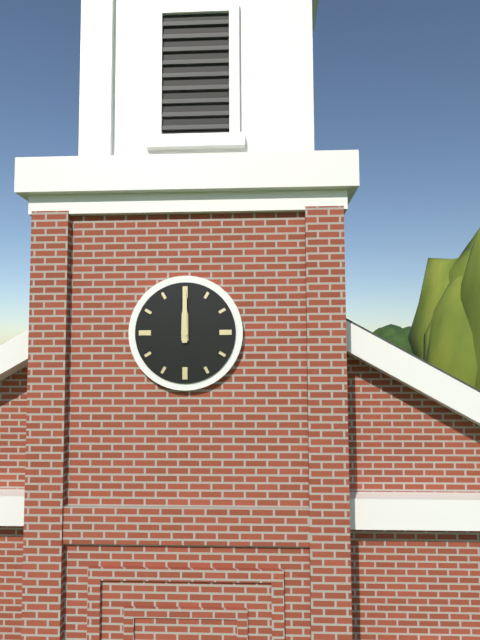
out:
12 h 00 min
